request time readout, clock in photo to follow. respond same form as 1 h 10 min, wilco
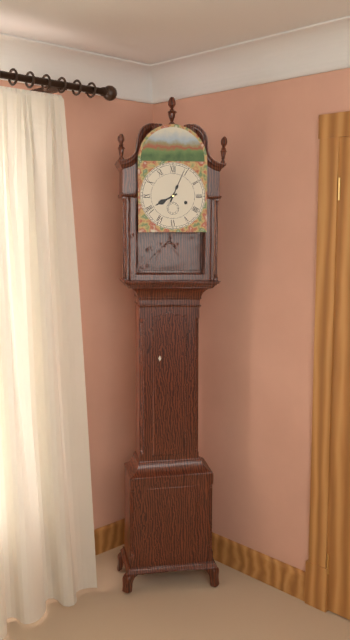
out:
8 h 04 min
